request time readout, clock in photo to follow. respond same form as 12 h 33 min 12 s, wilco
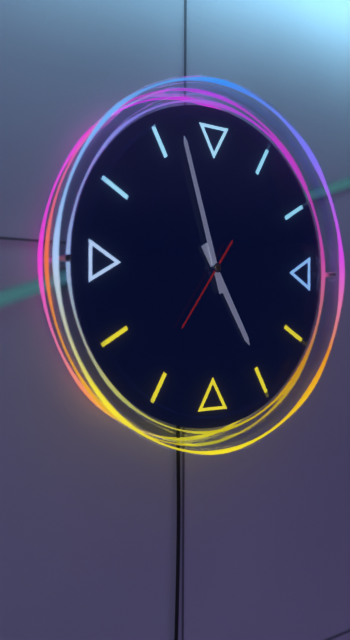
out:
4 h 57 min 36 s
